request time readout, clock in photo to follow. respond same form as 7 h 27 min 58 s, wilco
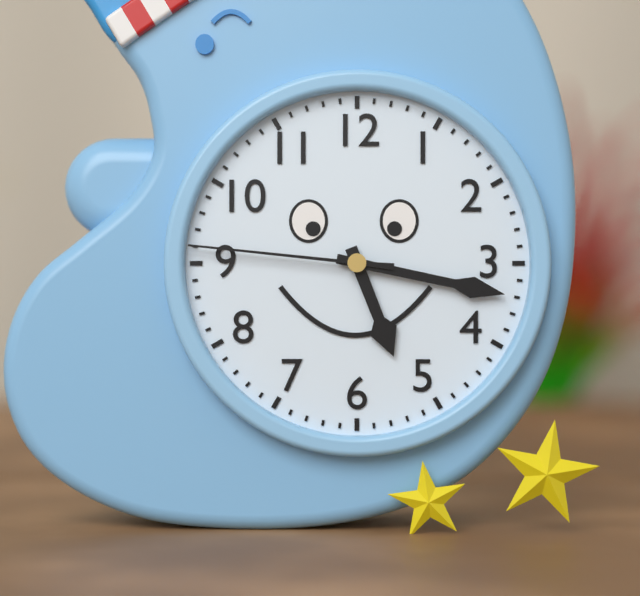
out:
5 h 17 min 46 s
